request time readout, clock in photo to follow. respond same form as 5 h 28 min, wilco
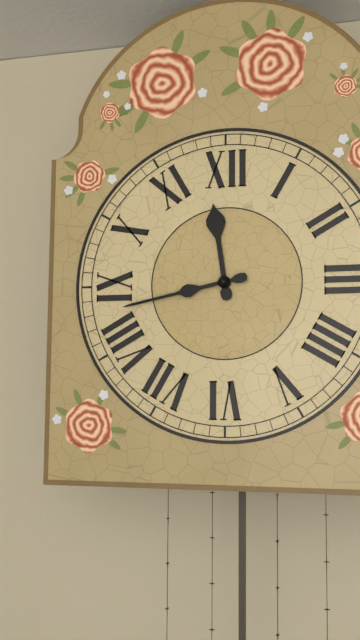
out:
11 h 43 min
